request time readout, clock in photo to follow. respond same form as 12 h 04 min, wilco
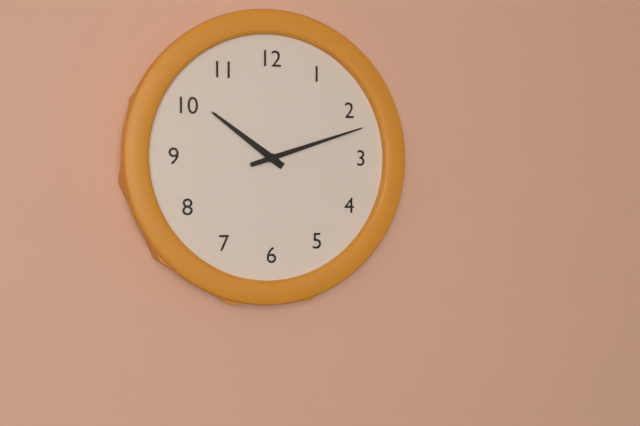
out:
10 h 12 min
